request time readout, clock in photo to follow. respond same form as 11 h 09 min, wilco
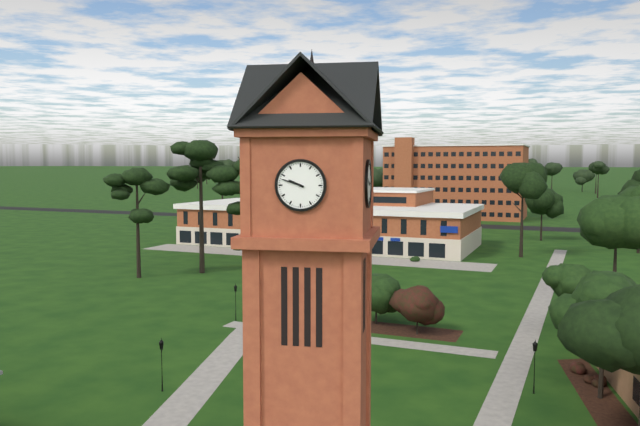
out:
9 h 48 min
